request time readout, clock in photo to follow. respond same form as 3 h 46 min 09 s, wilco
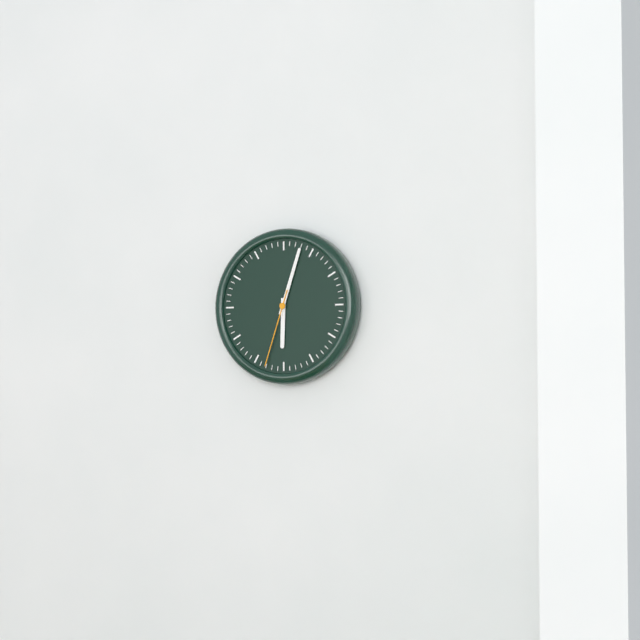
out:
6 h 03 min 33 s
